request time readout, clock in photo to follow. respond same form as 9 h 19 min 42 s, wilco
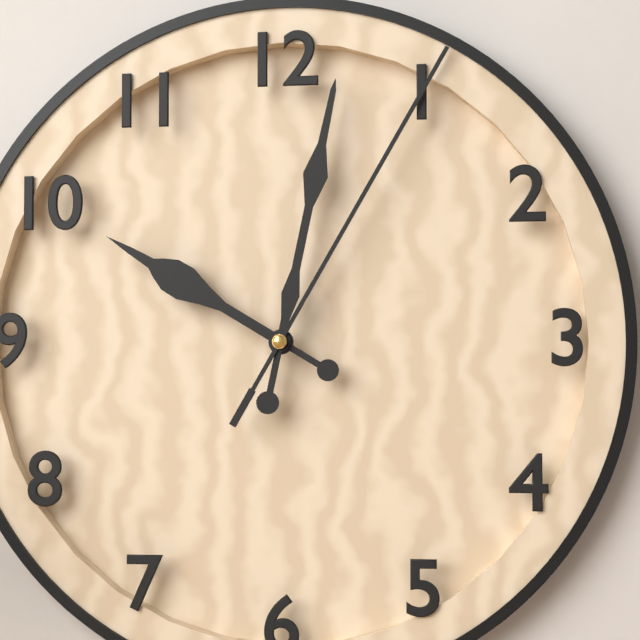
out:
10 h 02 min 05 s
